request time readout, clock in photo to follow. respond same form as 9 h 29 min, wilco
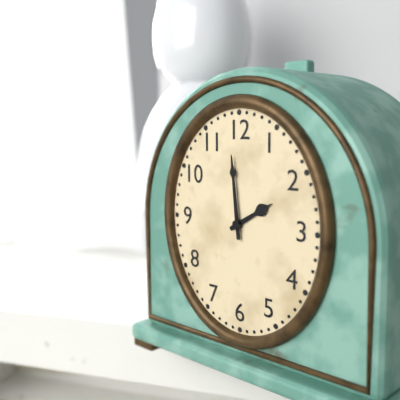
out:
1 h 59 min
